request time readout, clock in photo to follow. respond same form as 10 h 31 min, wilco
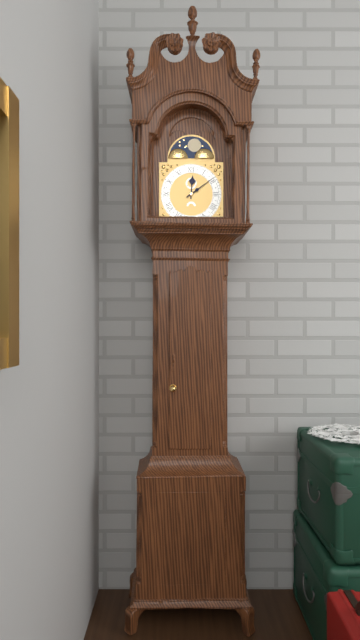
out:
12 h 09 min
